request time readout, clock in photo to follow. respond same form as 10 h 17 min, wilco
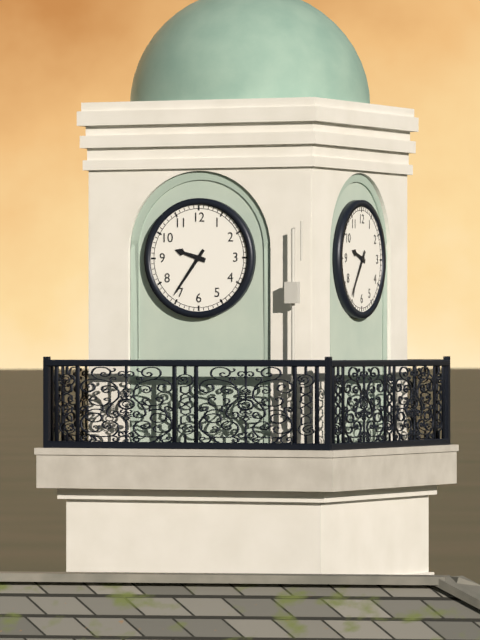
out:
9 h 36 min
